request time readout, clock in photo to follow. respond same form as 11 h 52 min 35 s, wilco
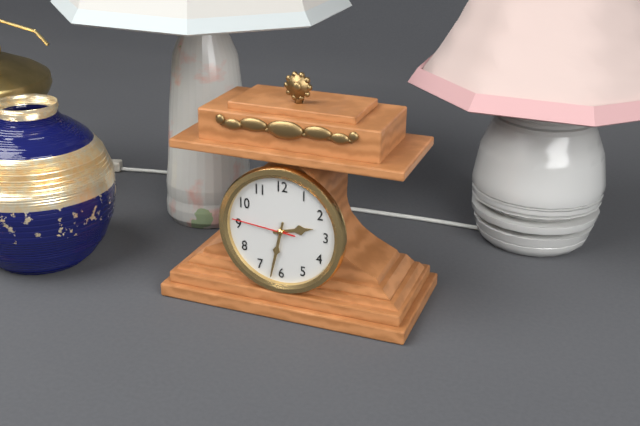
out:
2 h 32 min 46 s
